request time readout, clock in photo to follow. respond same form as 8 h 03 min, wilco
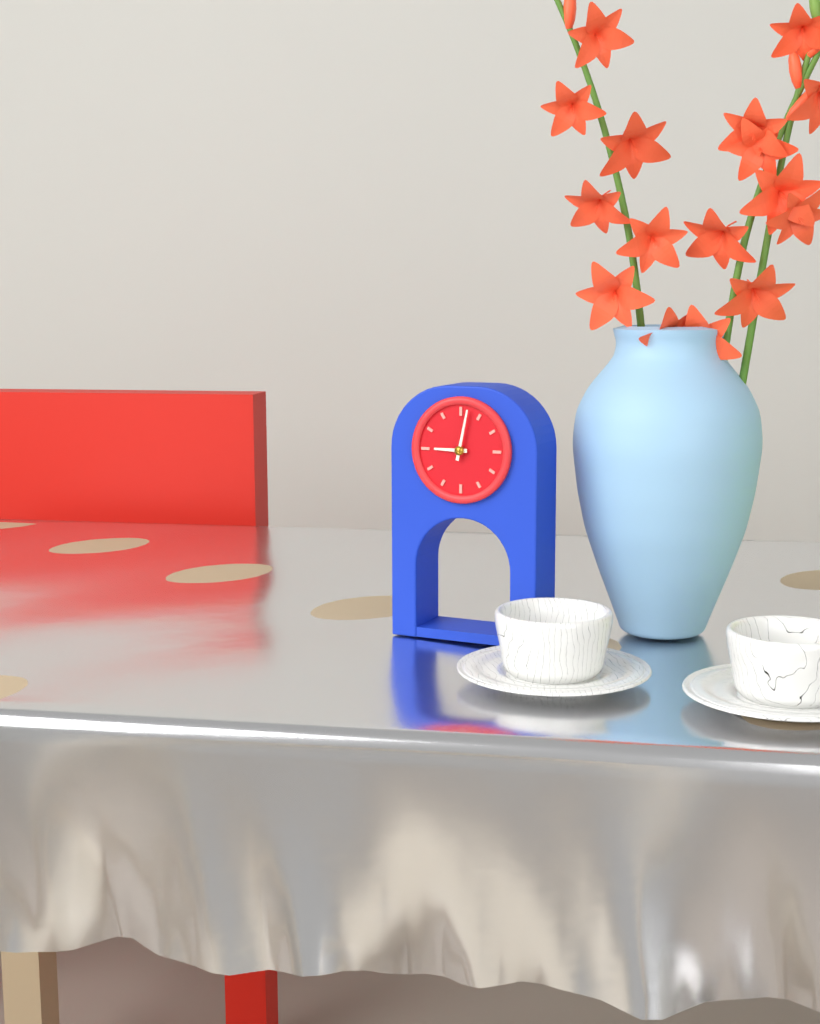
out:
9 h 02 min
